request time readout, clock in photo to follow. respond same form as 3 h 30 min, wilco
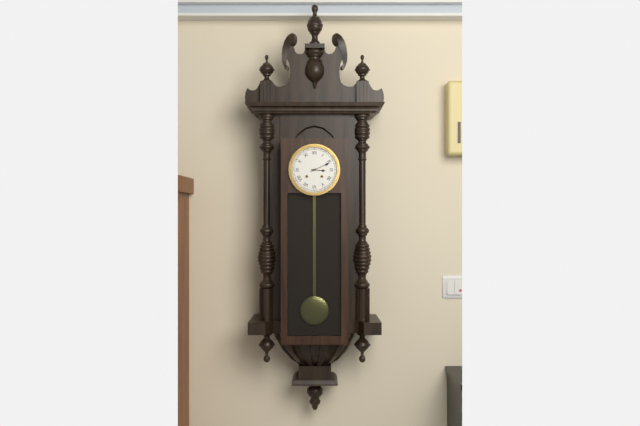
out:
3 h 11 min
